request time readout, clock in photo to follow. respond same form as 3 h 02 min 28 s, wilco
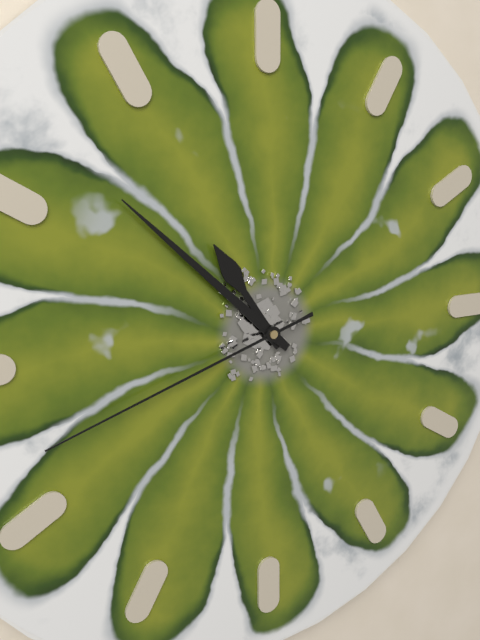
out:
10 h 52 min 42 s
